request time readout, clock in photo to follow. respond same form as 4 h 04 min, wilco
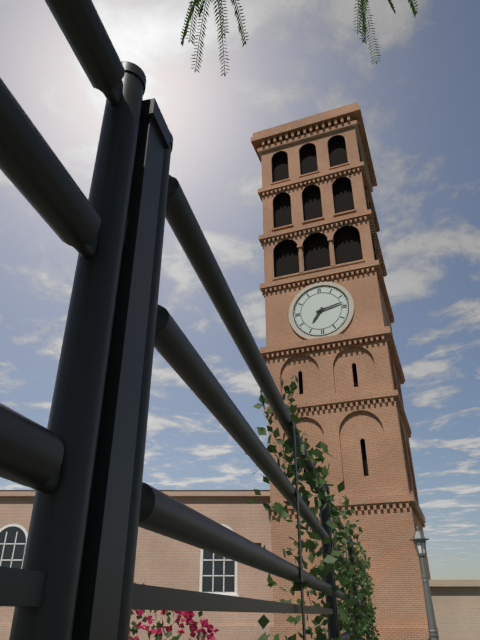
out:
7 h 13 min
